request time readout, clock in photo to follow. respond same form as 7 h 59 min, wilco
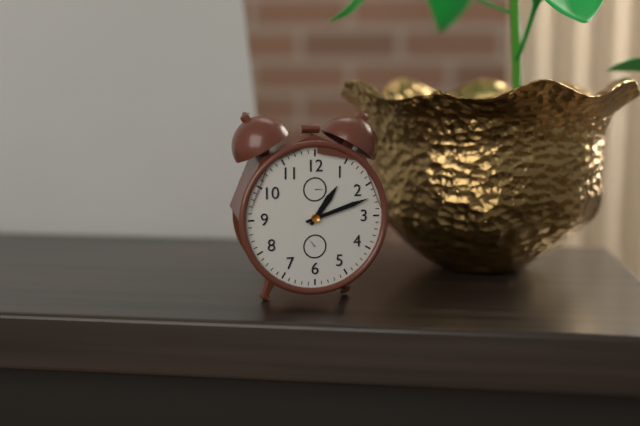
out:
1 h 12 min
